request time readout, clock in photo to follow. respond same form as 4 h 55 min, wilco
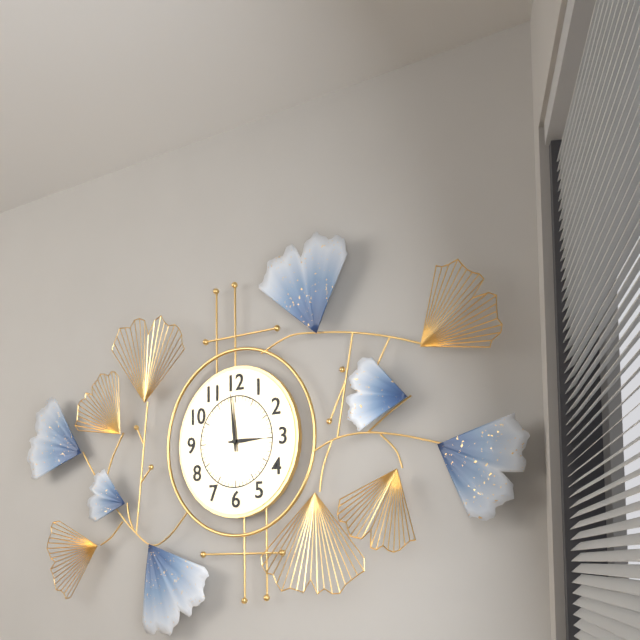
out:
2 h 59 min
